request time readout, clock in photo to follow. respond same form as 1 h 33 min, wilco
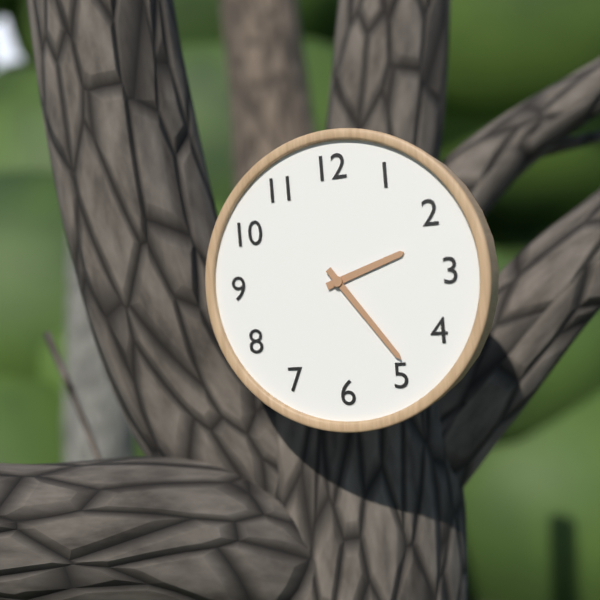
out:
2 h 24 min
